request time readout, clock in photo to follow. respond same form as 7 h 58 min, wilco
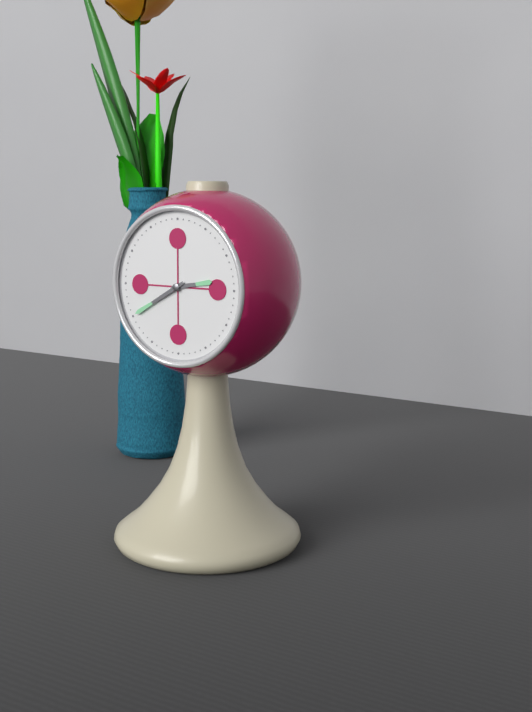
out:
2 h 40 min
